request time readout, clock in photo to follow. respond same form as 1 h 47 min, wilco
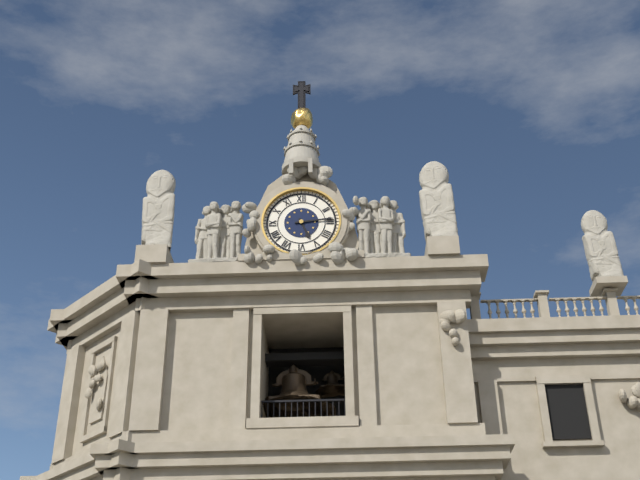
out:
5 h 14 min
